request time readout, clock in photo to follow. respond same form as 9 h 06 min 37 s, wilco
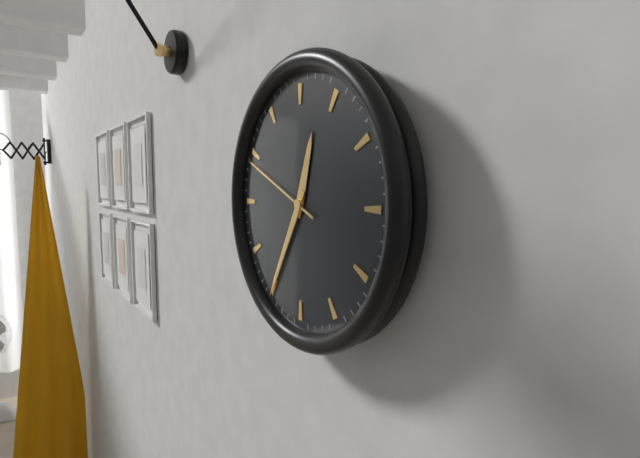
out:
12 h 35 min 49 s
